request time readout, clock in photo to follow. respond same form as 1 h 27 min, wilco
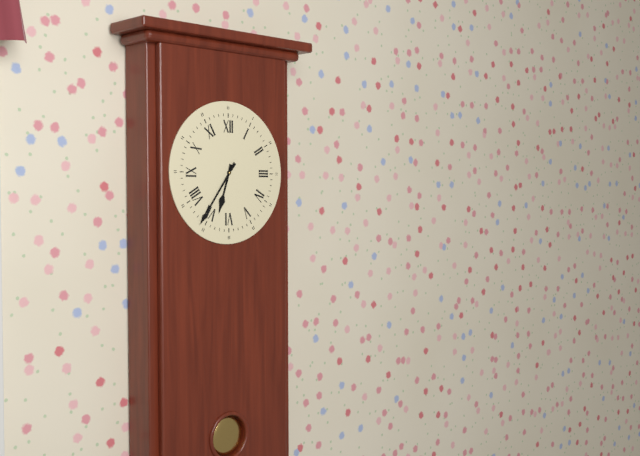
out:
6 h 36 min
